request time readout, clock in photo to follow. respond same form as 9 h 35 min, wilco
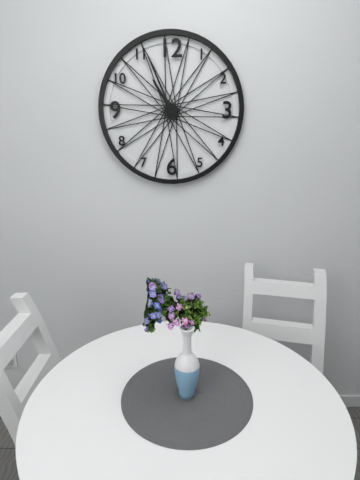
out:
10 h 56 min
